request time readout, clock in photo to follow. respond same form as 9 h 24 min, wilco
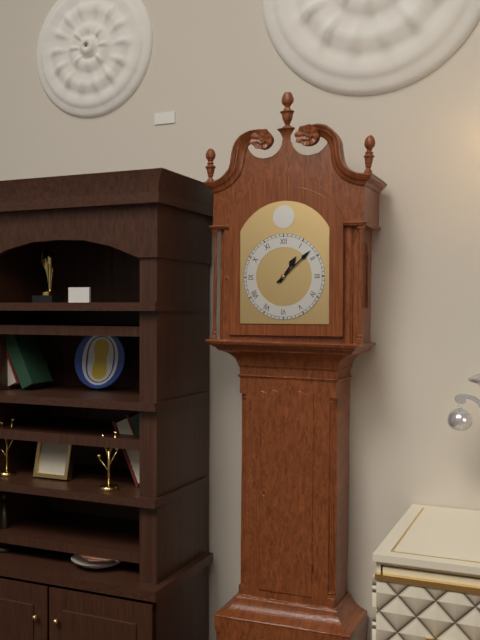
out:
1 h 08 min
